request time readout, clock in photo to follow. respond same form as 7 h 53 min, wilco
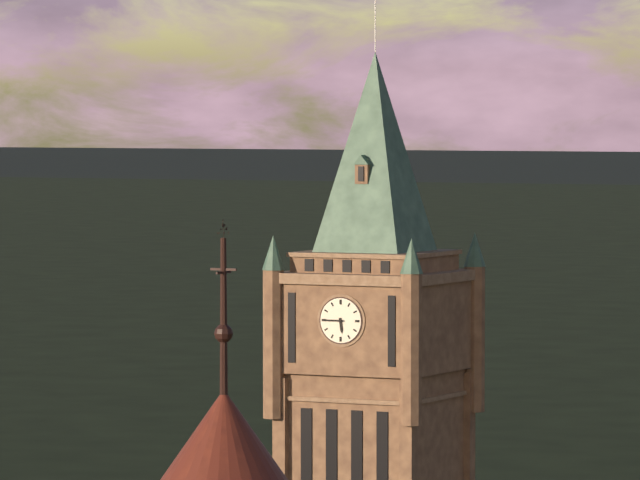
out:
5 h 45 min
